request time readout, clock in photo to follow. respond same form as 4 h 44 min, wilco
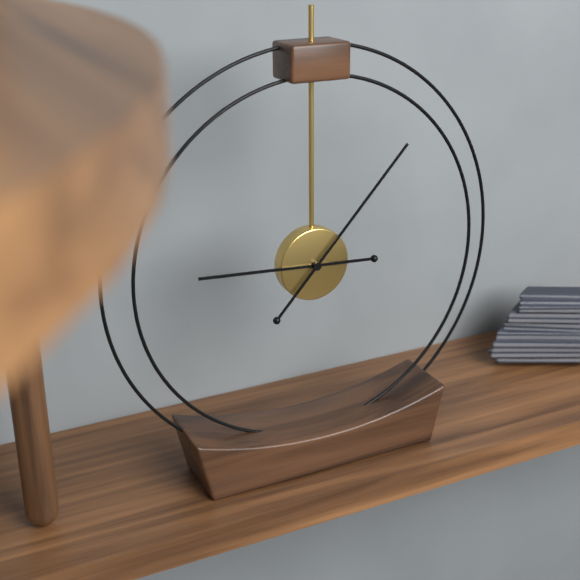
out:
9 h 07 min
